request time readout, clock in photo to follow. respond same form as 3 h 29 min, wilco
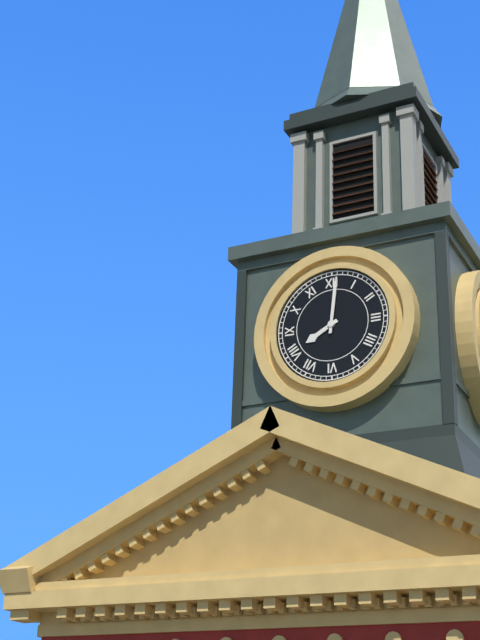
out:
8 h 01 min
